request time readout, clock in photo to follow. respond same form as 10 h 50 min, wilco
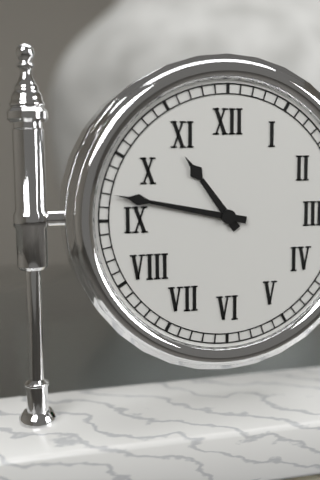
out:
10 h 47 min
